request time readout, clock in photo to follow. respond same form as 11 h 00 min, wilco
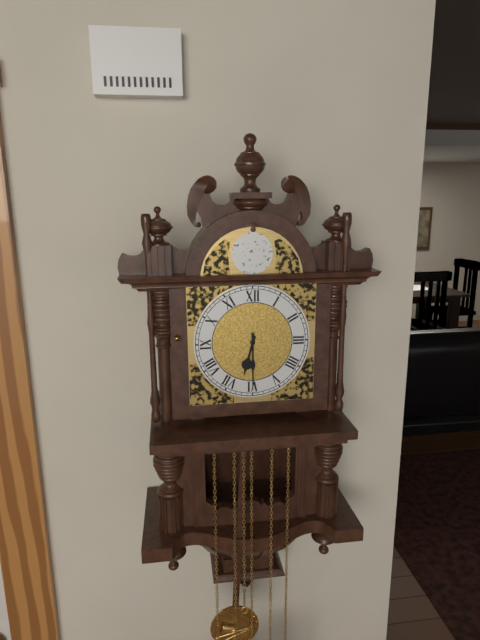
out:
6 h 30 min
